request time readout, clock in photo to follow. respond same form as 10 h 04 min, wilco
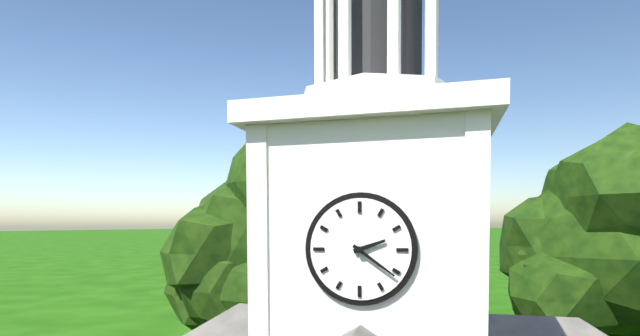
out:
2 h 21 min
